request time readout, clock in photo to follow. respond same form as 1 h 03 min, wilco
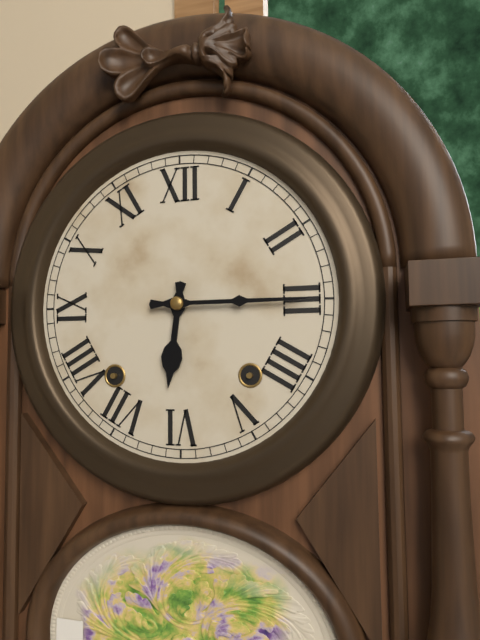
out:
6 h 15 min
